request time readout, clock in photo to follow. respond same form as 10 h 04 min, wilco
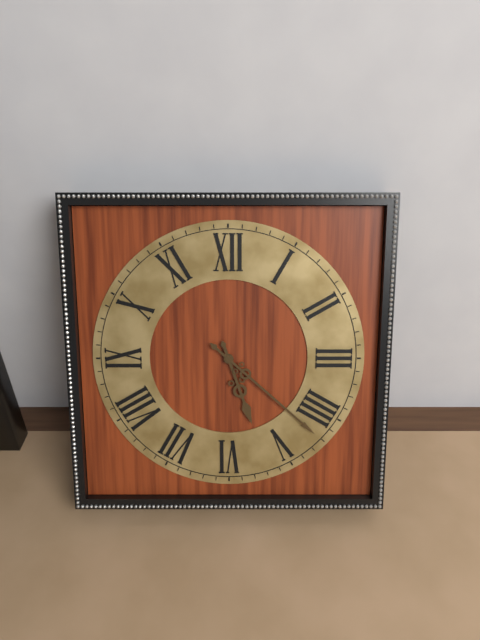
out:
5 h 22 min
